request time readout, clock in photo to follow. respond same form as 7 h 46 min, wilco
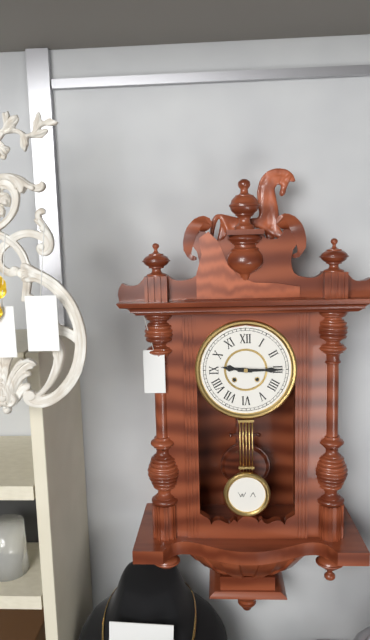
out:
9 h 15 min
